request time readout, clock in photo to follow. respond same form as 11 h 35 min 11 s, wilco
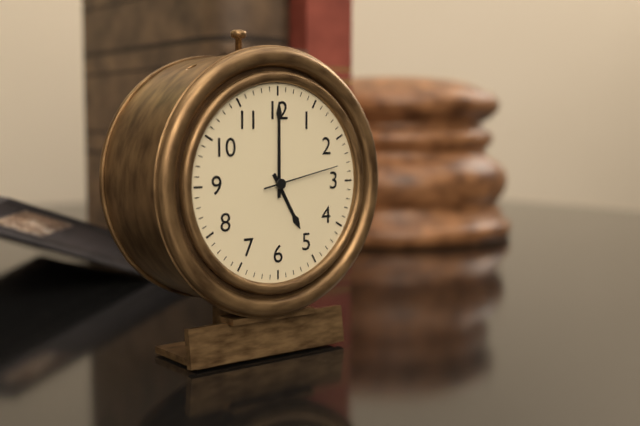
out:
5 h 00 min 13 s
